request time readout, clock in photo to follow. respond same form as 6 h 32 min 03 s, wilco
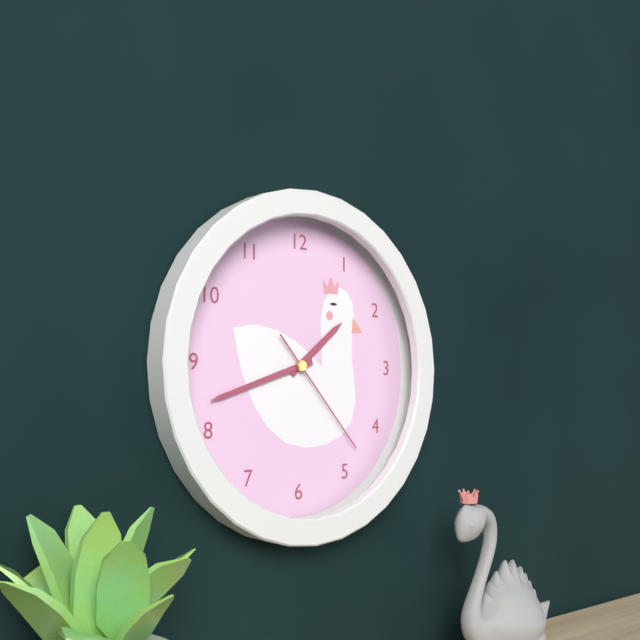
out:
1 h 42 min 23 s
